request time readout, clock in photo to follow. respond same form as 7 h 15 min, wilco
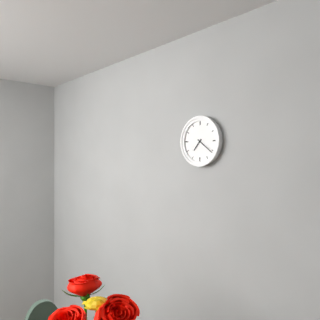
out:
7 h 21 min
